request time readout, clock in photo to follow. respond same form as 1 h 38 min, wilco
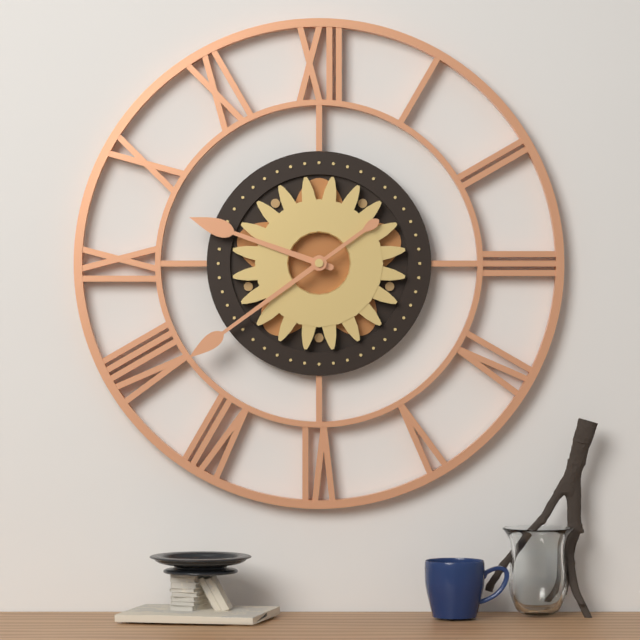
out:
9 h 39 min
